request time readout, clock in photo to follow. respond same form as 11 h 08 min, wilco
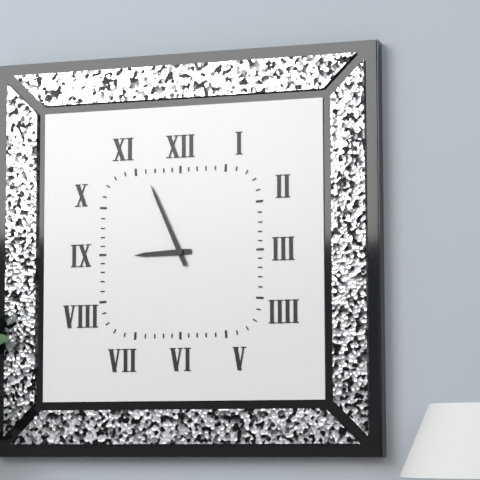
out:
8 h 56 min
